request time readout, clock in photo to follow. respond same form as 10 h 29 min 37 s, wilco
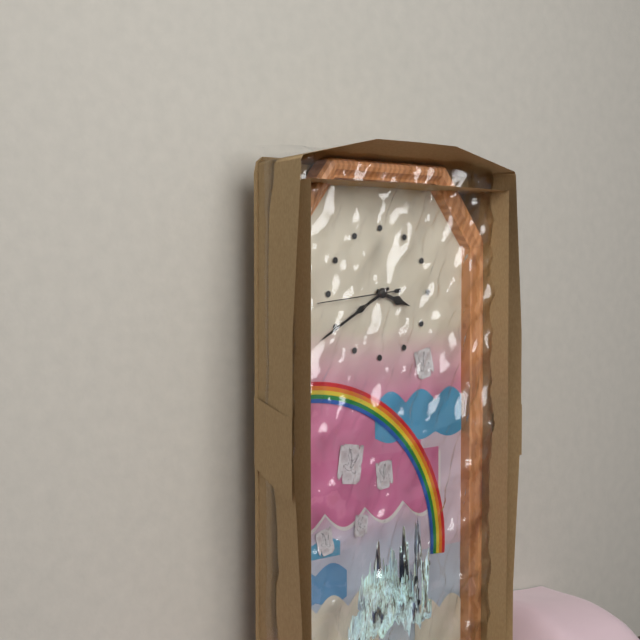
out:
3 h 40 min 44 s
